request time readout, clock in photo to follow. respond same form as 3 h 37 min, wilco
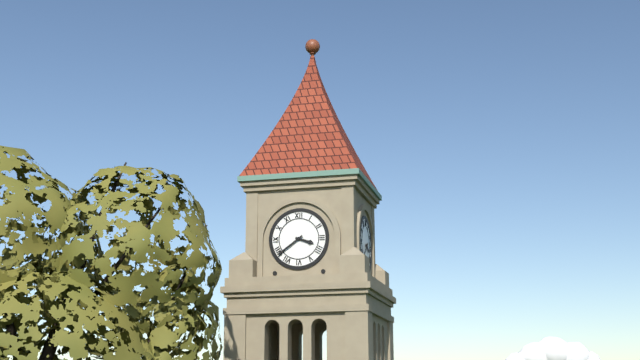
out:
3 h 39 min
